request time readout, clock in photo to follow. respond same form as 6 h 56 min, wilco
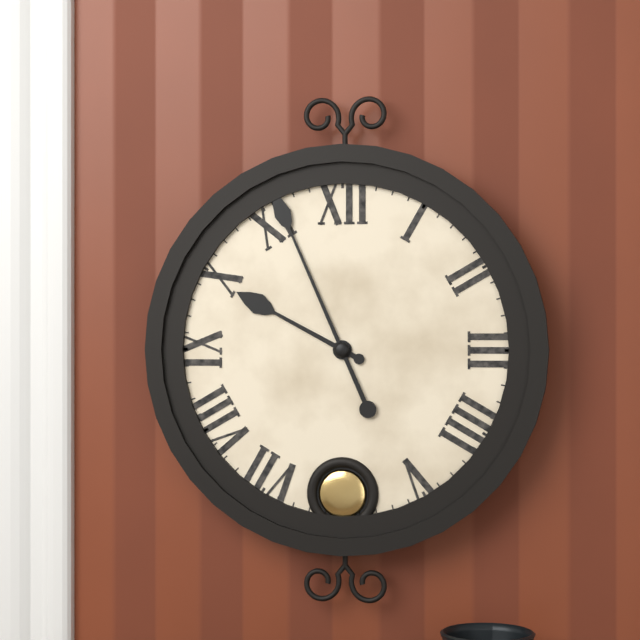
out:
9 h 56 min
